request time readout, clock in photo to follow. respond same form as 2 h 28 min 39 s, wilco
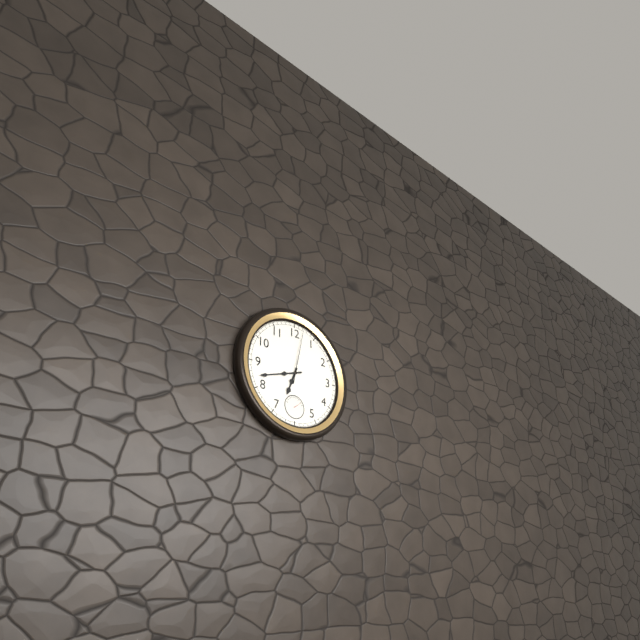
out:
6 h 42 min 02 s
